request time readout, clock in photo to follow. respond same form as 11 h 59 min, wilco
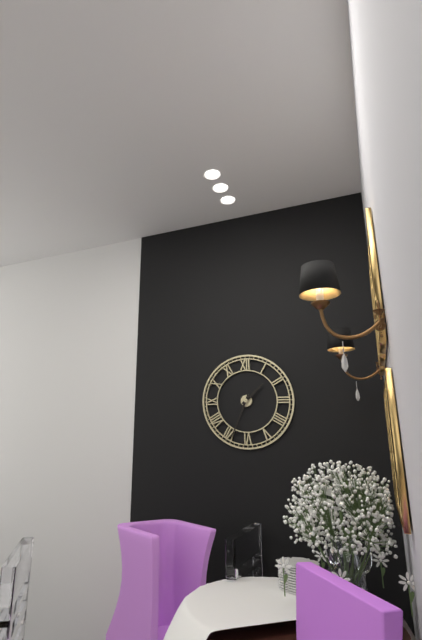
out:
1 h 34 min
